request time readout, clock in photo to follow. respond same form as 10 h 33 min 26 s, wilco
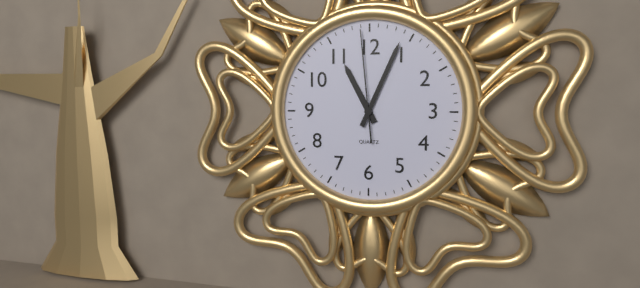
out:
11 h 04 min 59 s
